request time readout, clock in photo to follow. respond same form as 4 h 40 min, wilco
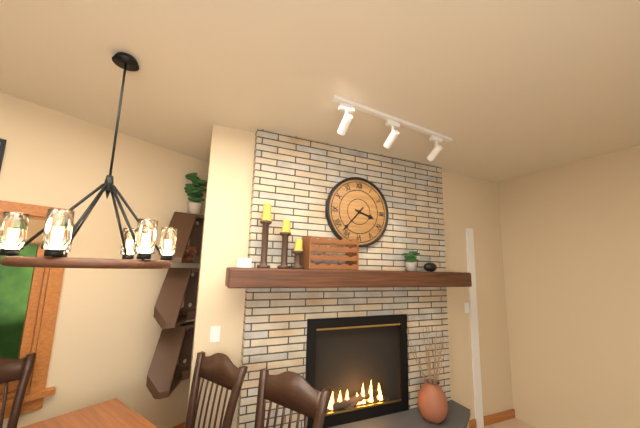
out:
3 h 37 min
